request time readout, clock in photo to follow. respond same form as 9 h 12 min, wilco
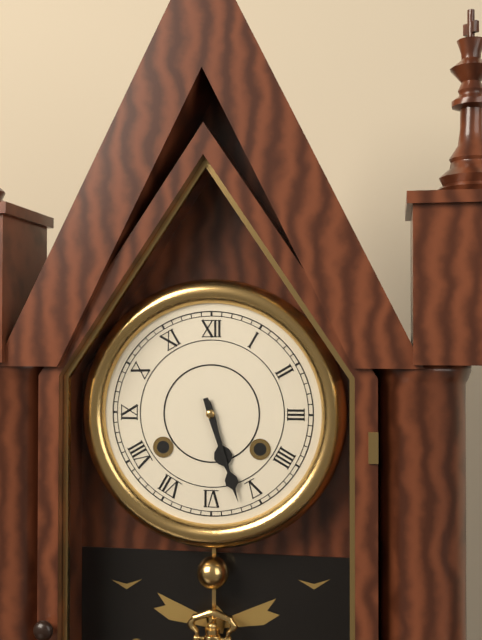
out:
5 h 27 min
